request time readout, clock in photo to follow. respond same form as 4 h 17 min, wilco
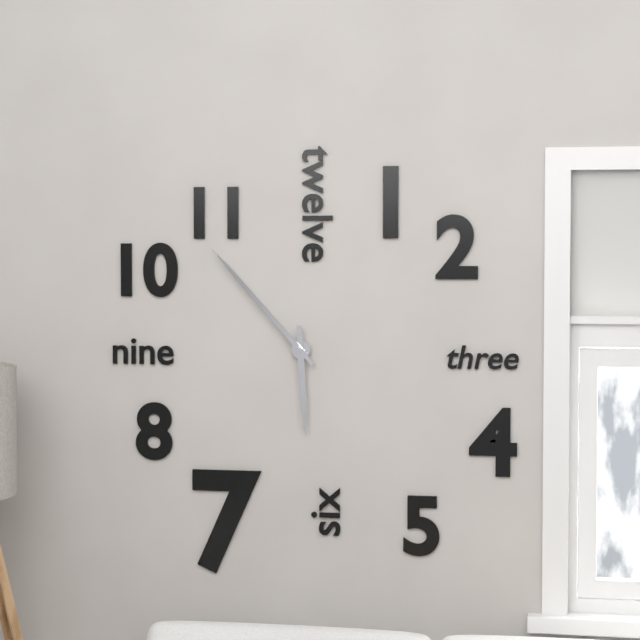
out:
5 h 53 min
